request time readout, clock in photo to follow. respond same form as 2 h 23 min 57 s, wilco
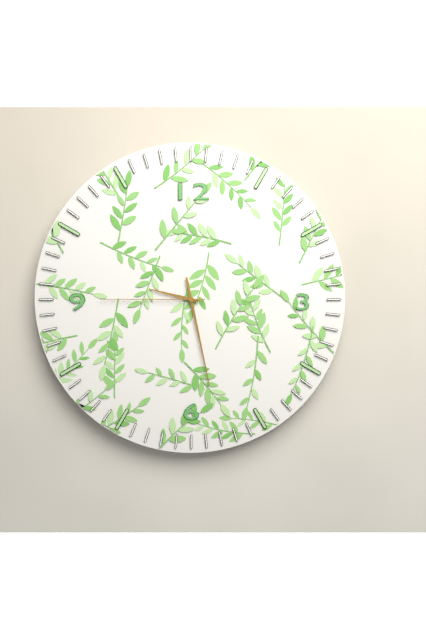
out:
9 h 28 min 45 s
